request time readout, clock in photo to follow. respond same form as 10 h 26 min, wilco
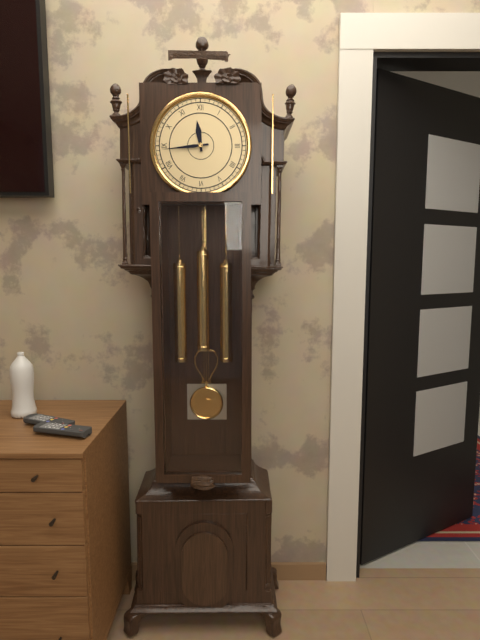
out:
11 h 44 min
